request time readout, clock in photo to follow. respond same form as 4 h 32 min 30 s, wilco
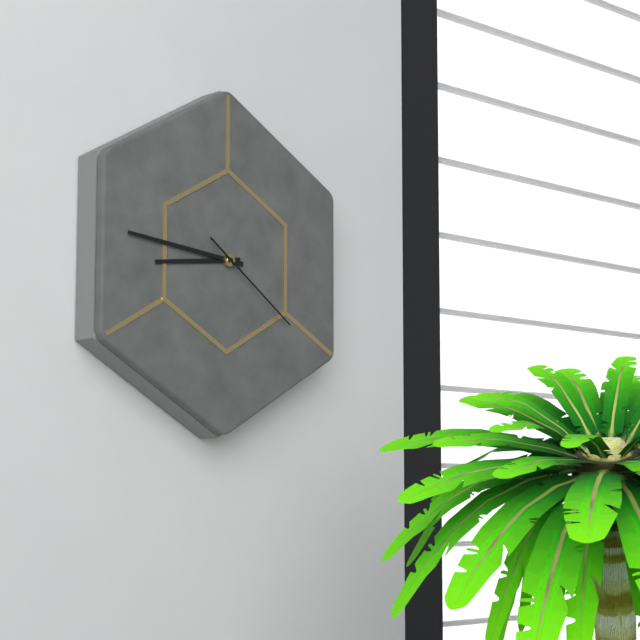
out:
8 h 46 min 21 s
